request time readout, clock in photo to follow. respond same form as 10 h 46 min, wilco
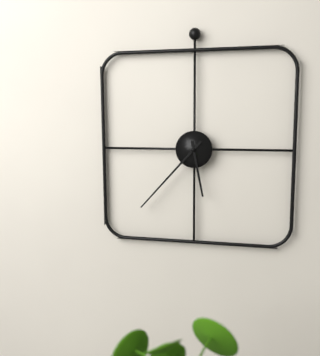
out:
5 h 37 min
